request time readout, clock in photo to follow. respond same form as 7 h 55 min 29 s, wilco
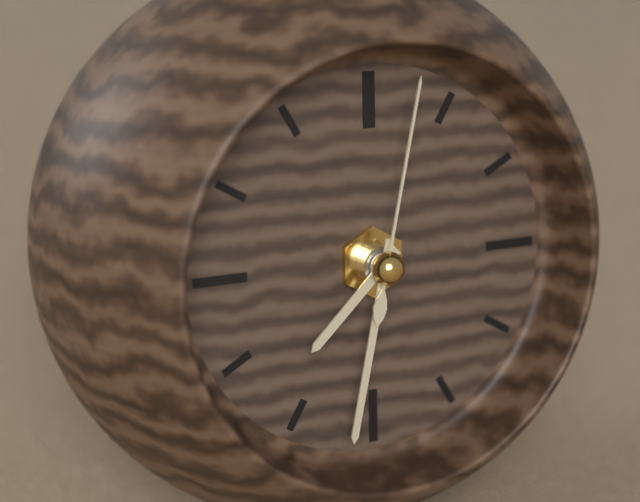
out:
7 h 32 min 02 s
